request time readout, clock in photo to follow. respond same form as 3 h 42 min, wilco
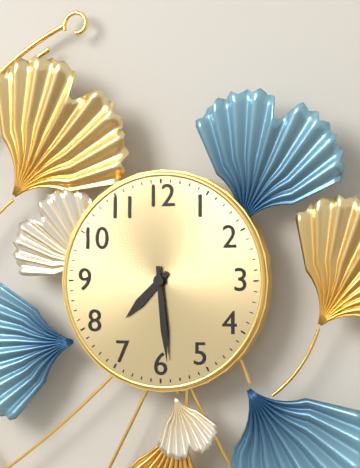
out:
7 h 29 min
